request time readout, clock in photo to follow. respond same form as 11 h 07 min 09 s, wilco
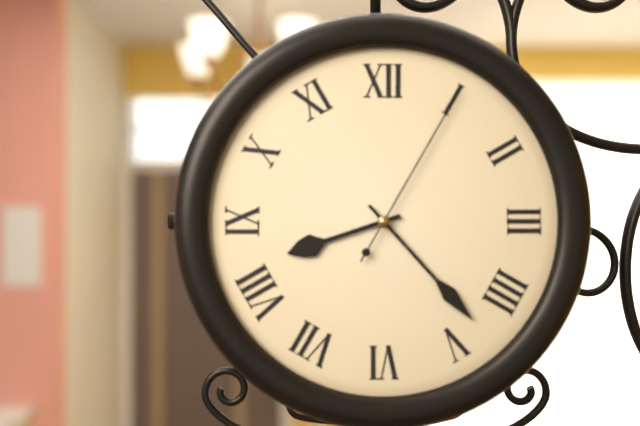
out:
8 h 23 min 05 s
